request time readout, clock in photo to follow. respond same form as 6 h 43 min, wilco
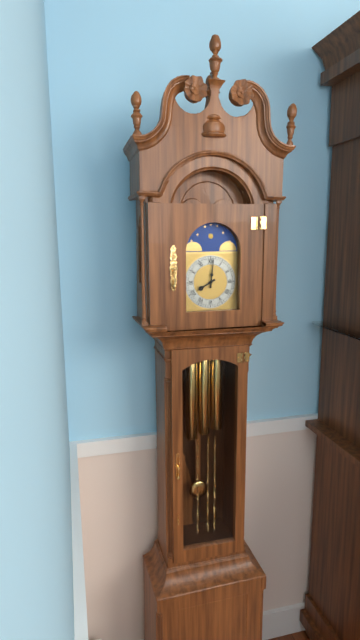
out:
8 h 01 min
